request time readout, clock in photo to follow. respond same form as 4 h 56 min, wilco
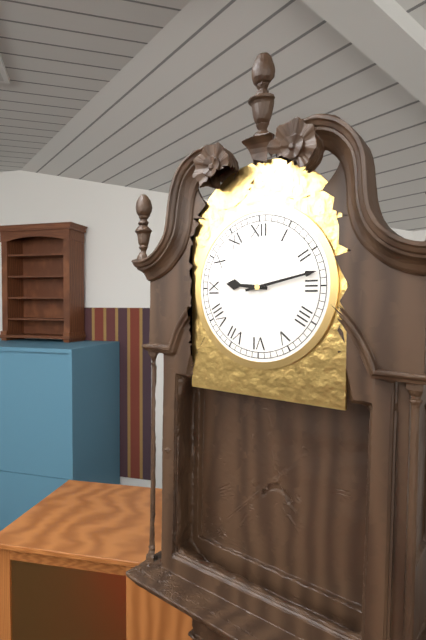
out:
9 h 13 min
